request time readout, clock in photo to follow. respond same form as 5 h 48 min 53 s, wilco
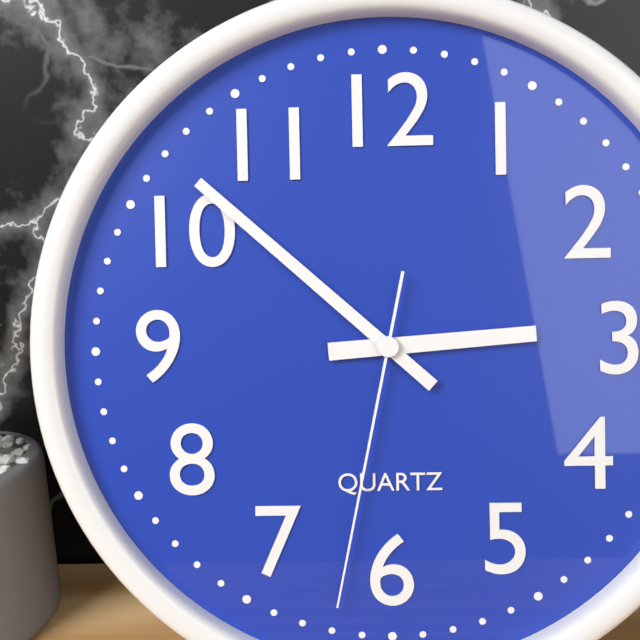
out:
2 h 52 min 32 s
